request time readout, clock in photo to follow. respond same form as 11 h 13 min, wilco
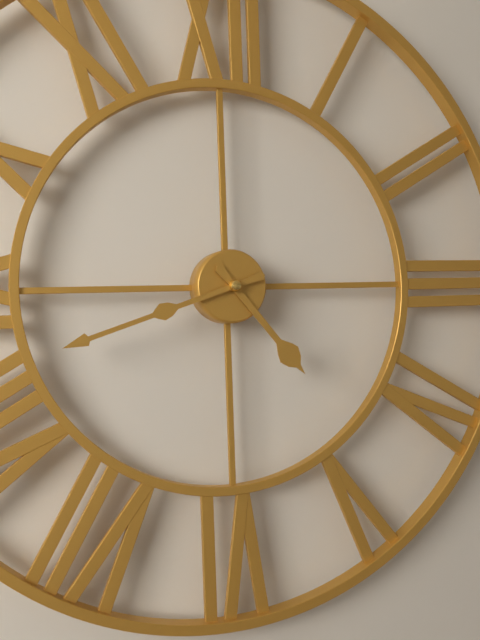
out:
4 h 42 min
